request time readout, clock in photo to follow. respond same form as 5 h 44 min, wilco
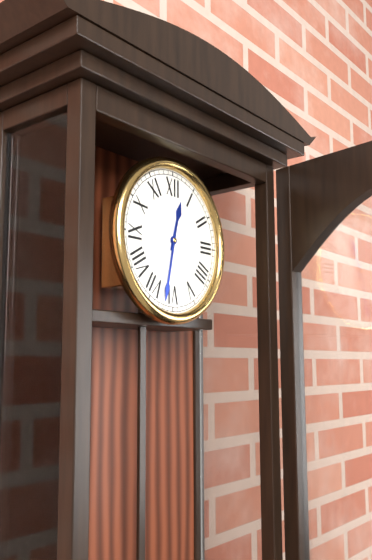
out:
12 h 32 min
